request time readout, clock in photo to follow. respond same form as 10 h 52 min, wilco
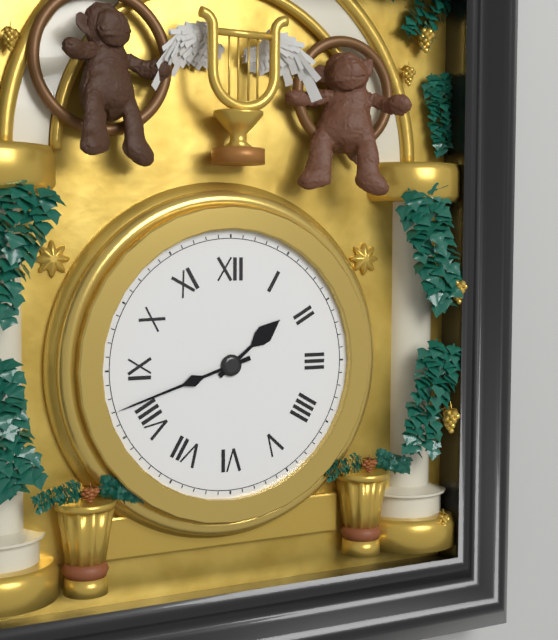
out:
1 h 42 min
